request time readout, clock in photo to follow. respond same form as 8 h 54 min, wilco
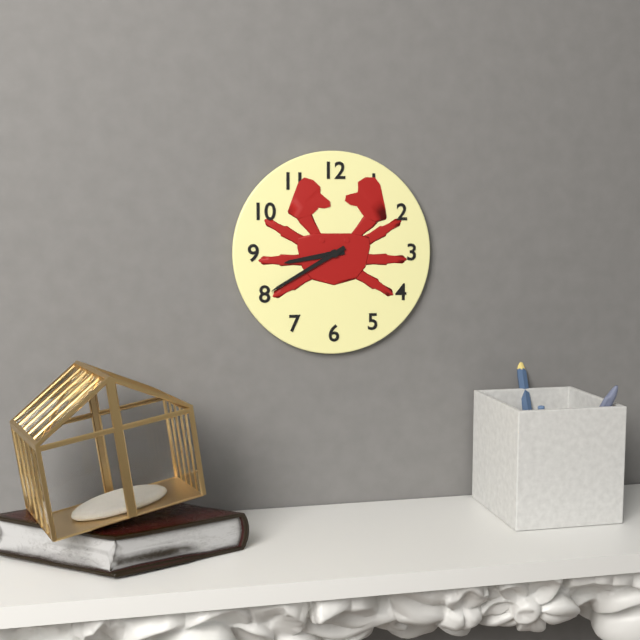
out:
8 h 40 min
